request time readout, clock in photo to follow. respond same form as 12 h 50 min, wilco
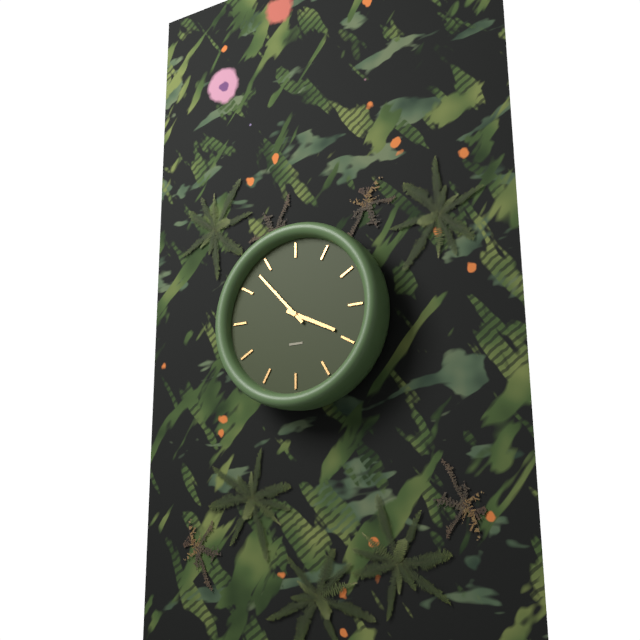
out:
3 h 53 min
